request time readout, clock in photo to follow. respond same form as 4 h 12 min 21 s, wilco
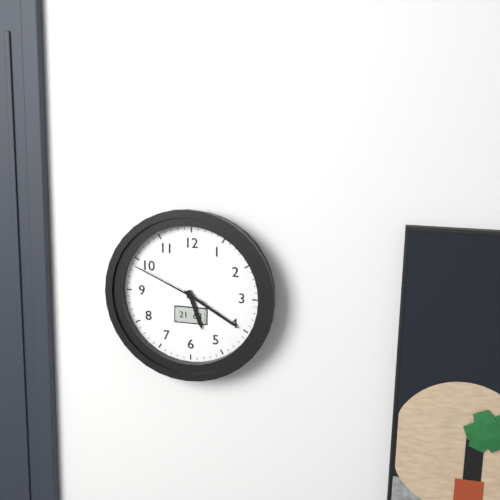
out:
5 h 20 min 49 s
